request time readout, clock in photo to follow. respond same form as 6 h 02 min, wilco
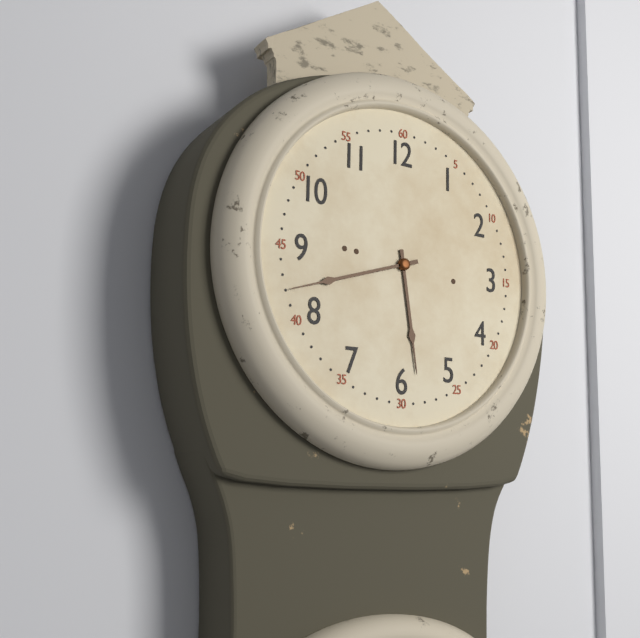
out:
5 h 42 min
